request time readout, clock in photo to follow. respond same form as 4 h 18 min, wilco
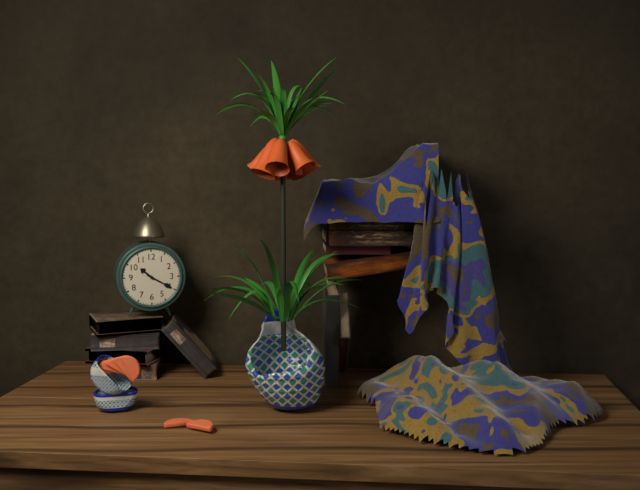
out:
10 h 20 min
